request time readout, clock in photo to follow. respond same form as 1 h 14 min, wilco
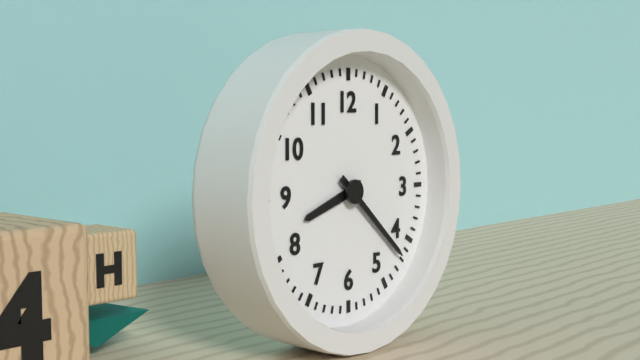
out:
8 h 22 min
